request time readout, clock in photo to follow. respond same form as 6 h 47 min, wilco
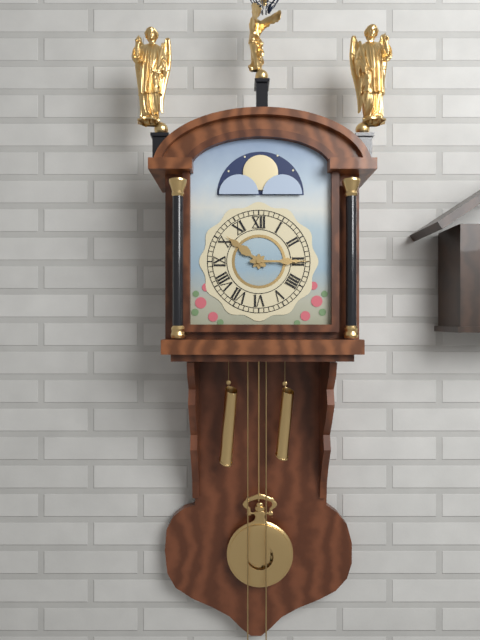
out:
10 h 15 min
